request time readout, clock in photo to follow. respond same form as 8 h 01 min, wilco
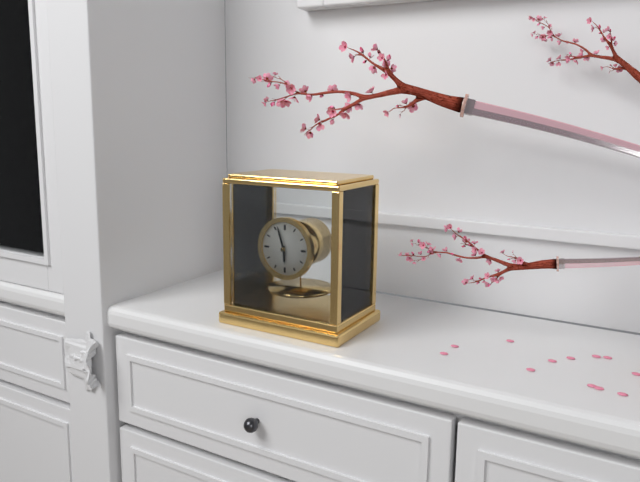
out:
5 h 57 min
